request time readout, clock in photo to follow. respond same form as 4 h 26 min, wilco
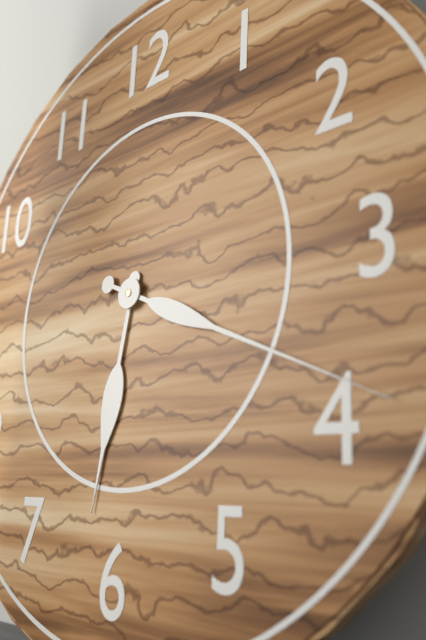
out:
6 h 19 min
